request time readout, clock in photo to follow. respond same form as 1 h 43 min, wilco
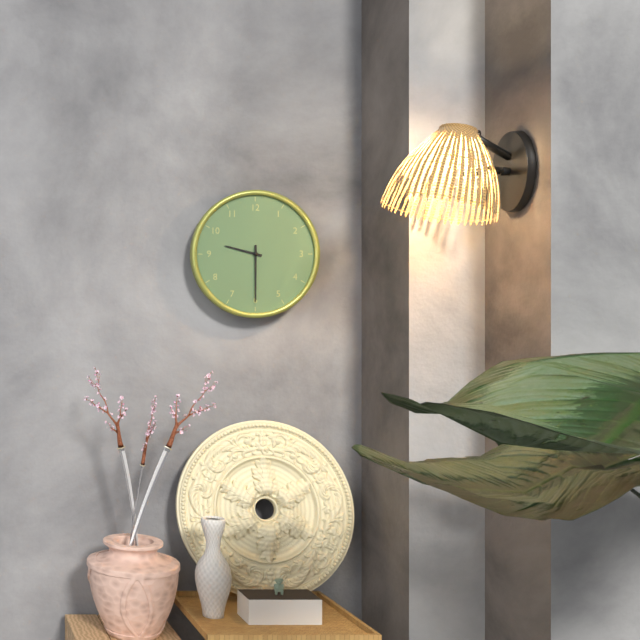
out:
9 h 30 min
